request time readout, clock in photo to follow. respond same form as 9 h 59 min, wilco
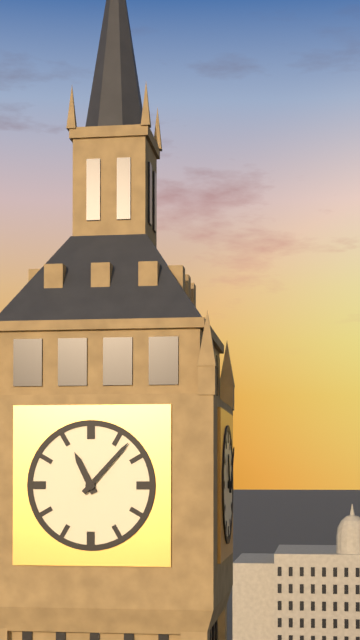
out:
11 h 07 min
